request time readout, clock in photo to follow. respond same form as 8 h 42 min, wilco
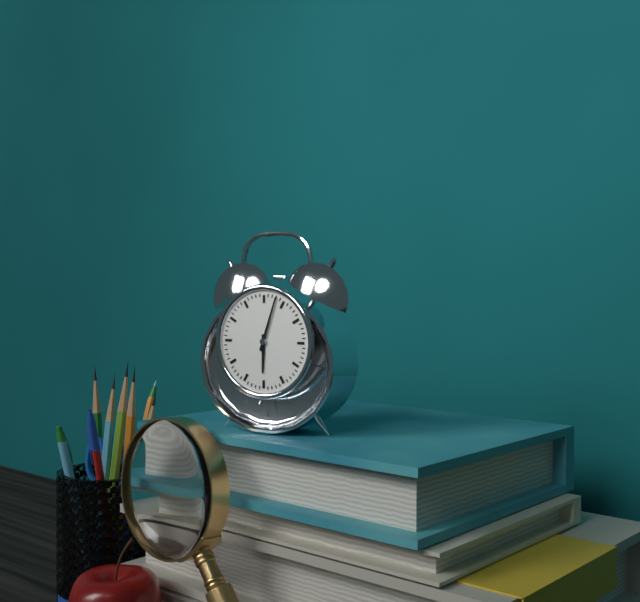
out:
6 h 03 min
